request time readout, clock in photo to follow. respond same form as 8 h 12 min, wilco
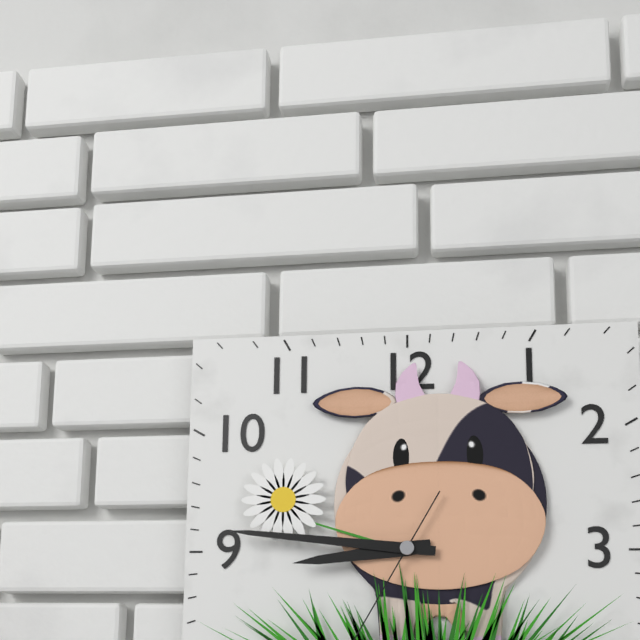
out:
8 h 46 min
